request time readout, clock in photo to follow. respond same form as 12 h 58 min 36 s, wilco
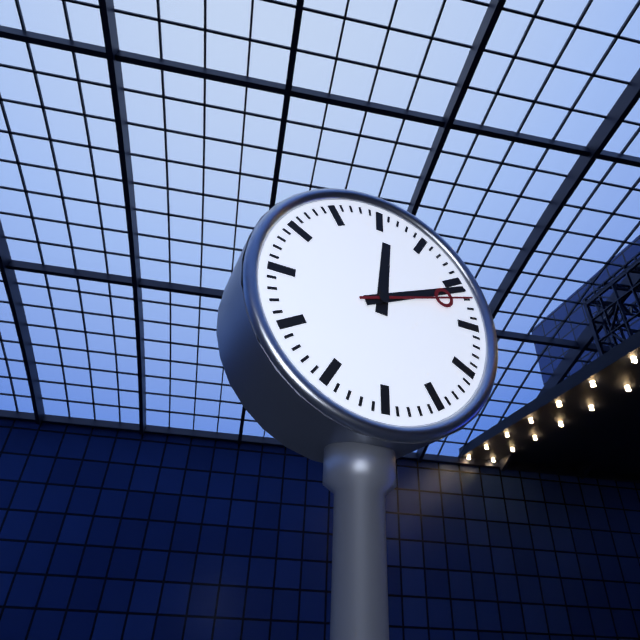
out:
12 h 11 min 12 s
